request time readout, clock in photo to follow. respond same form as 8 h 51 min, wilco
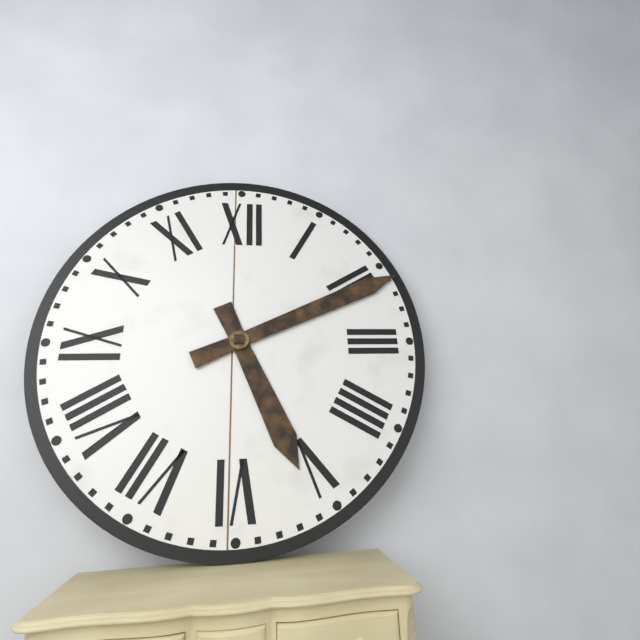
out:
5 h 11 min
